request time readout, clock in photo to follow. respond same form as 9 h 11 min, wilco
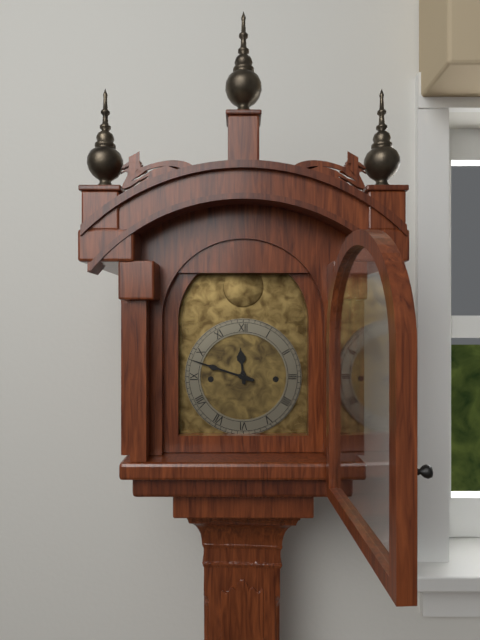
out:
11 h 48 min
